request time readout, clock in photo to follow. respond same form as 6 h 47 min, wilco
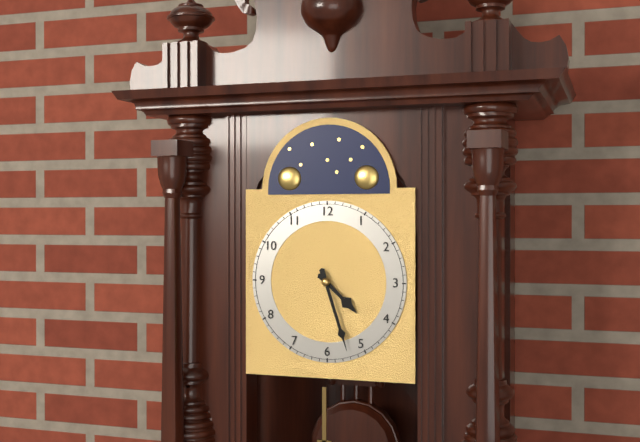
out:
4 h 27 min
